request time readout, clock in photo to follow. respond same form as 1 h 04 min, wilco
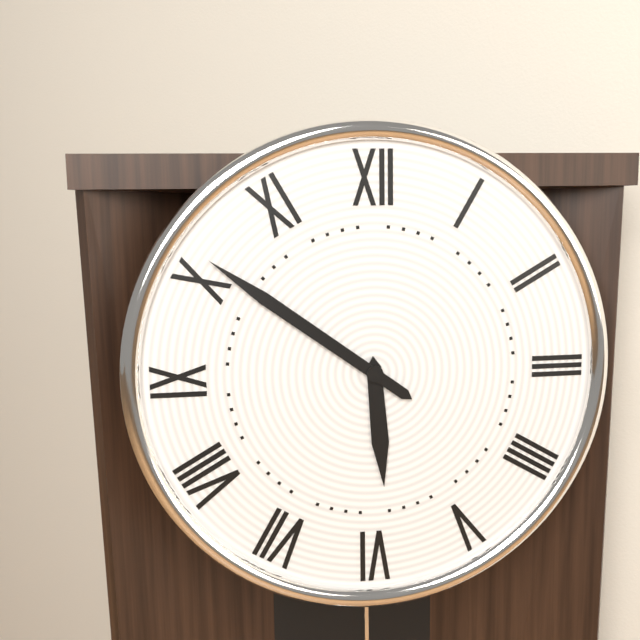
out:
5 h 51 min
